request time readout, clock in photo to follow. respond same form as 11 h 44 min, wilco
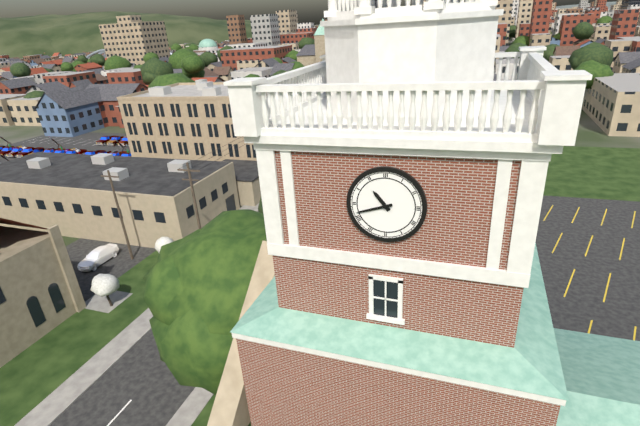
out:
10 h 42 min
